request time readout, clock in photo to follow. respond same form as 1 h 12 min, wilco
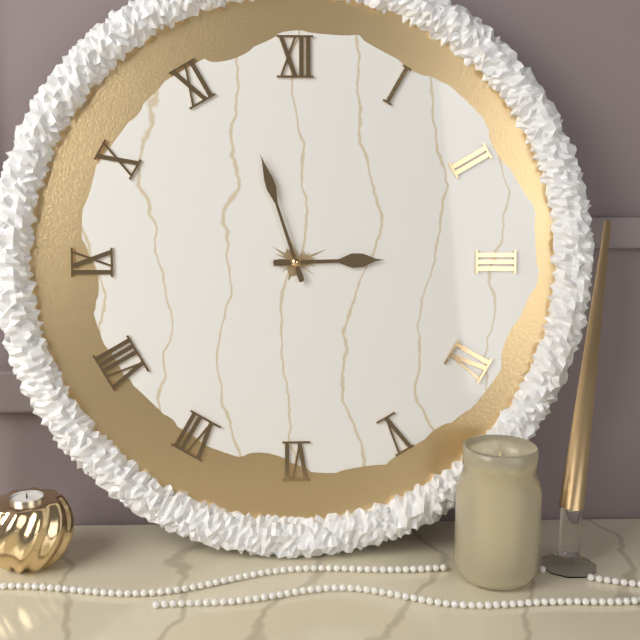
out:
2 h 57 min
